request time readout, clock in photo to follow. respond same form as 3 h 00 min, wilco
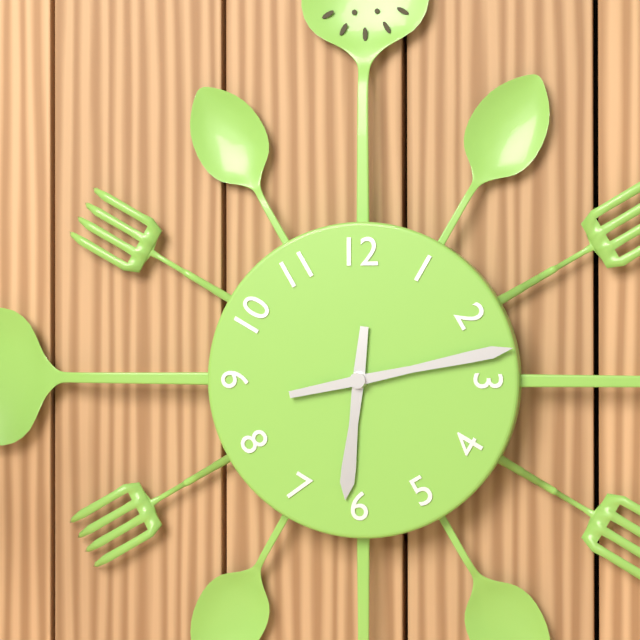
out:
6 h 13 min
